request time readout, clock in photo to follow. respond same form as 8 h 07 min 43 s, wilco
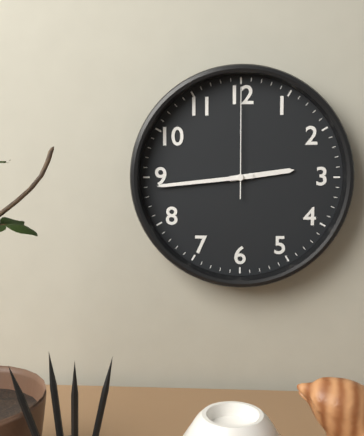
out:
2 h 44 min 00 s
